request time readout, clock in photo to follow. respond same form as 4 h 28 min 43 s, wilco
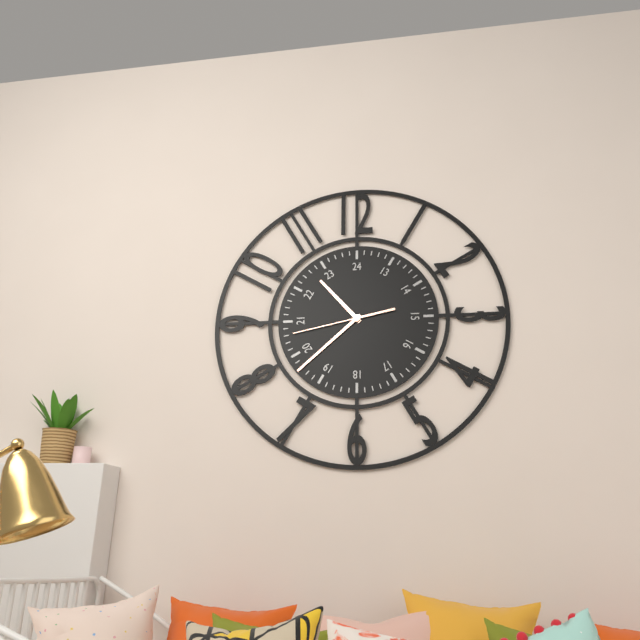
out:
10 h 38 min 43 s
